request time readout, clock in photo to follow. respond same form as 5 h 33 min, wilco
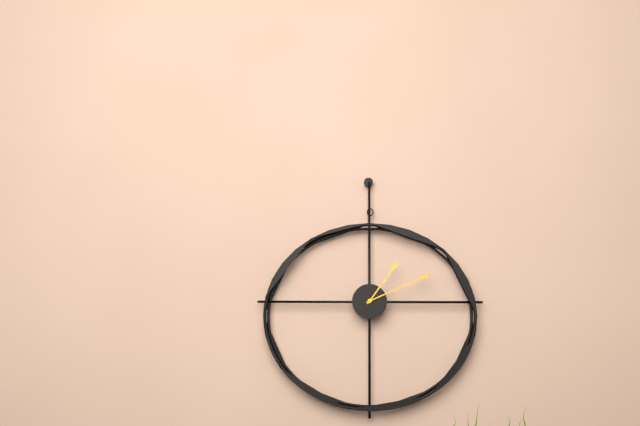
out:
1 h 11 min
